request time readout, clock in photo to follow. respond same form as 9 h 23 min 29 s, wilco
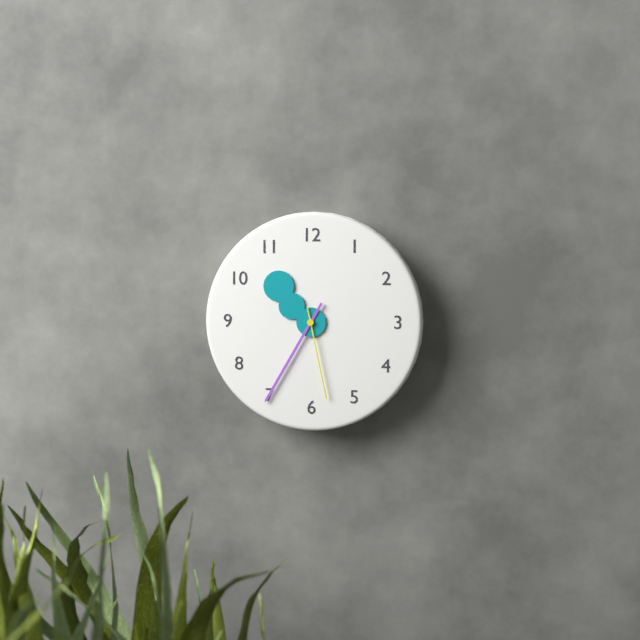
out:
10 h 35 min 28 s
